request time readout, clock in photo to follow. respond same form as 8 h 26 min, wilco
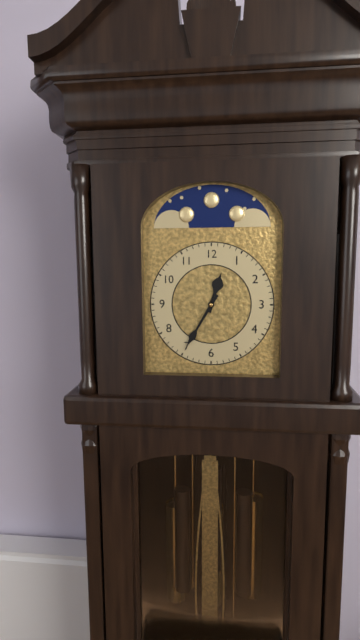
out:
12 h 35 min
